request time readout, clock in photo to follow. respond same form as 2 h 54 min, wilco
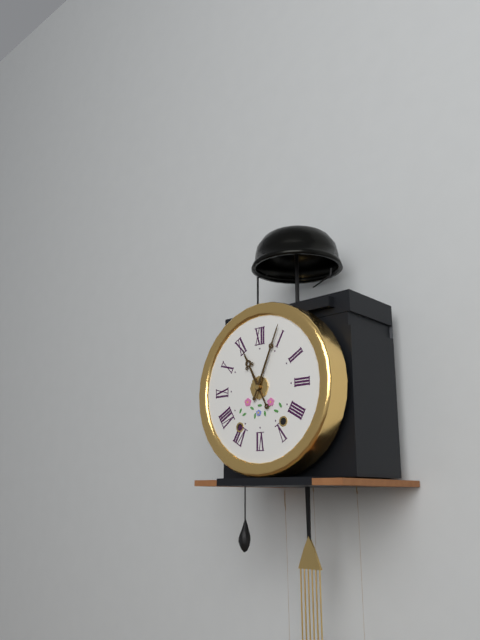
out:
11 h 04 min
